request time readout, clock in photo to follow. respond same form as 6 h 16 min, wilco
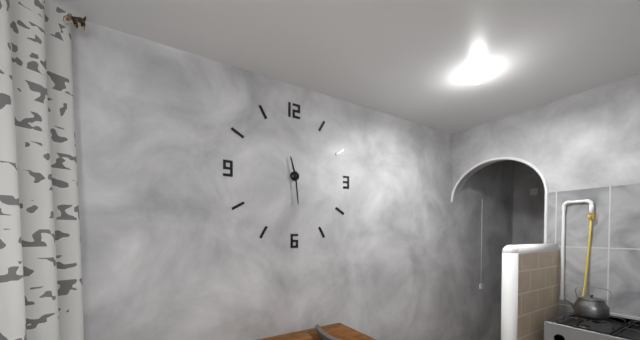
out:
11 h 29 min
